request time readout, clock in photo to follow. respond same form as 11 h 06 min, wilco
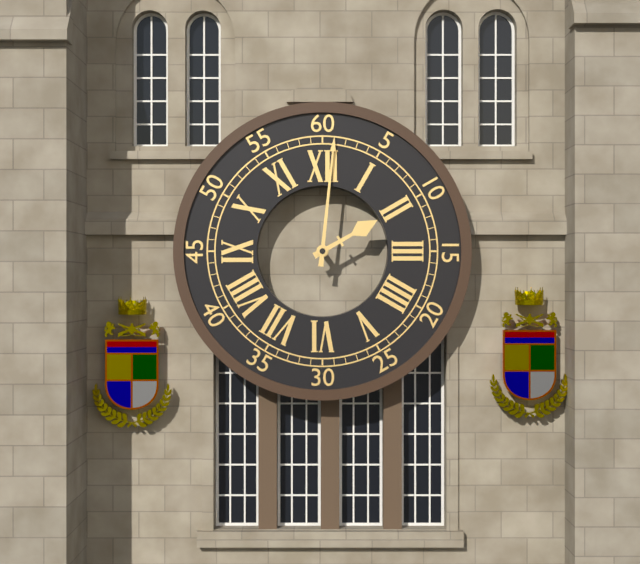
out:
2 h 01 min
